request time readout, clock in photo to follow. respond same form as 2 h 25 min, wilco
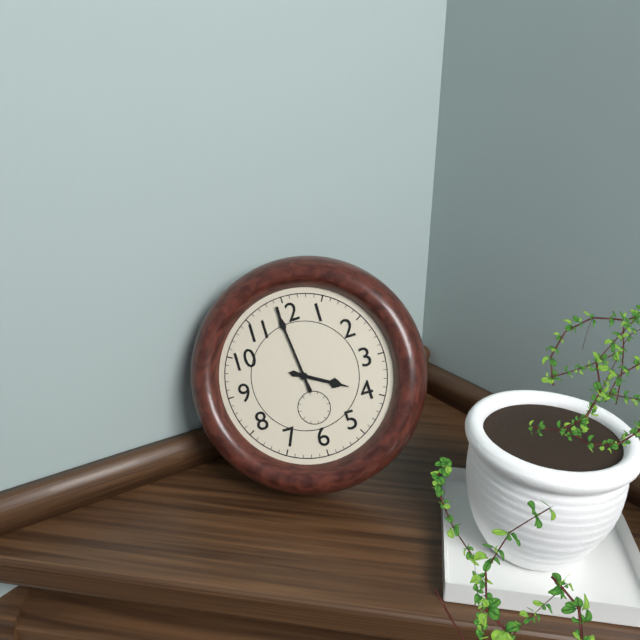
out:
3 h 59 min
